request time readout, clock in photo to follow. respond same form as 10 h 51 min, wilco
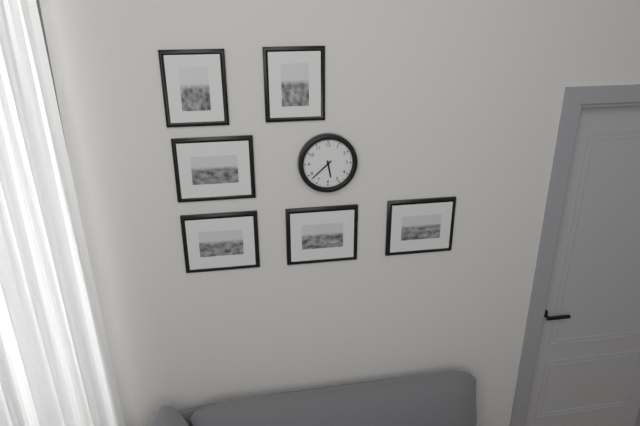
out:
5 h 38 min
